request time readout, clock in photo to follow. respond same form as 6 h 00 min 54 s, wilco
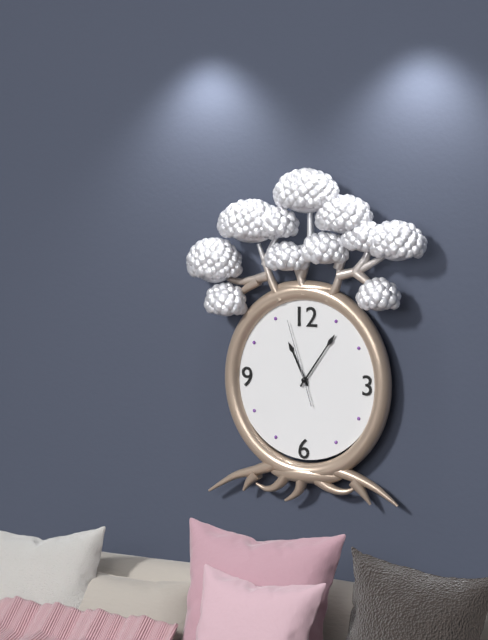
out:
11 h 06 min 57 s
